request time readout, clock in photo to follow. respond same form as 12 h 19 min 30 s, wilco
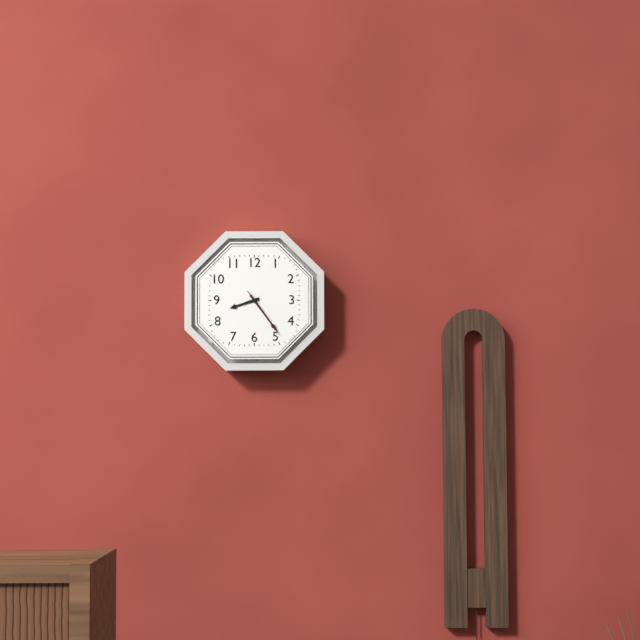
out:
8 h 24 min 24 s
